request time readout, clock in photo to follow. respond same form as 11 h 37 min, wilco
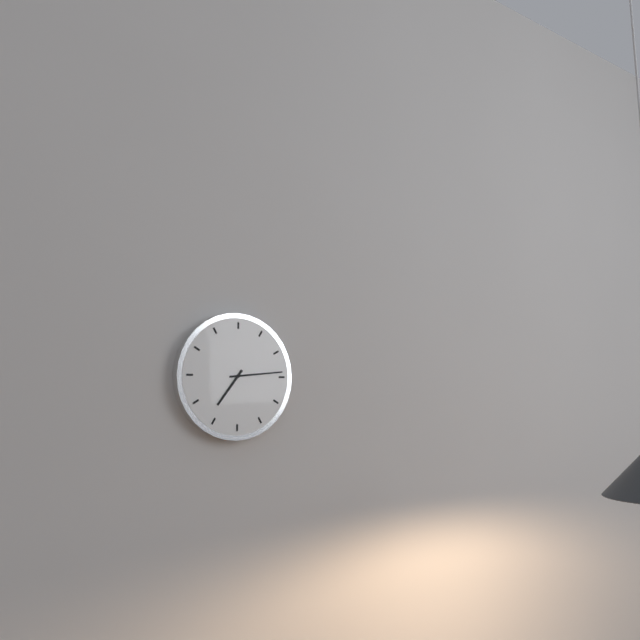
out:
7 h 14 min
